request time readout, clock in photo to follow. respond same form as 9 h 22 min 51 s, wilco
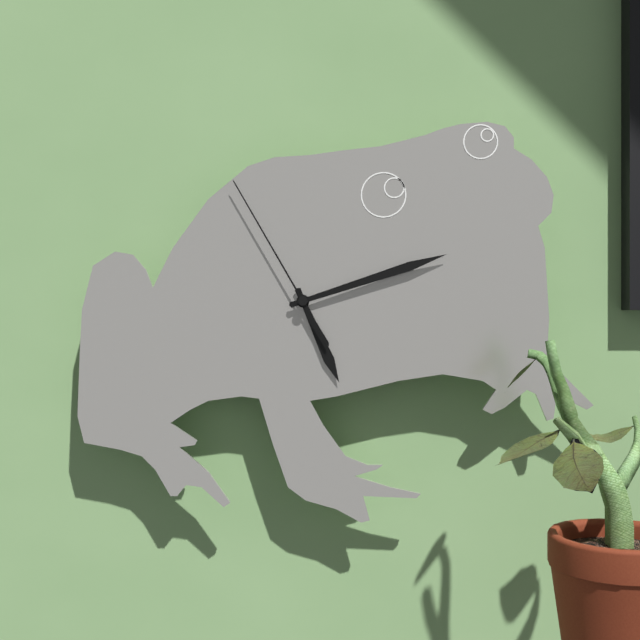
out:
5 h 12 min 55 s
